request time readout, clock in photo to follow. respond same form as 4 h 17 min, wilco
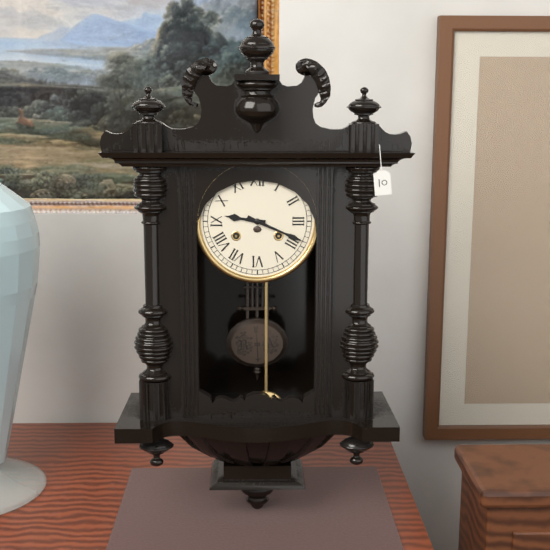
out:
9 h 19 min
